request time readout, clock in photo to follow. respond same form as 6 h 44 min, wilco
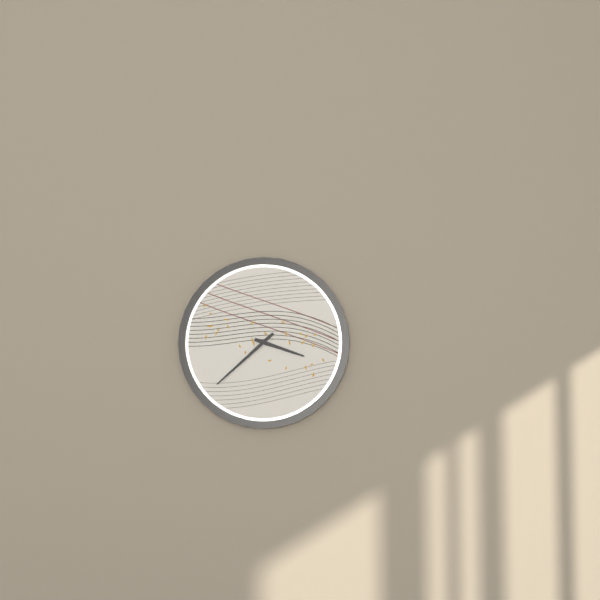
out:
3 h 38 min
